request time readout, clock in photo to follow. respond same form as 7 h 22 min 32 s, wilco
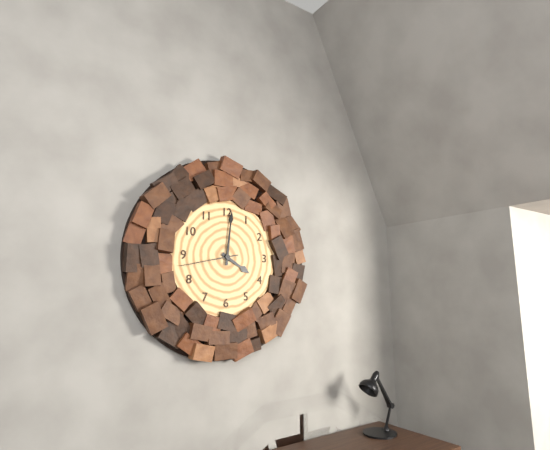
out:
4 h 01 min 43 s
